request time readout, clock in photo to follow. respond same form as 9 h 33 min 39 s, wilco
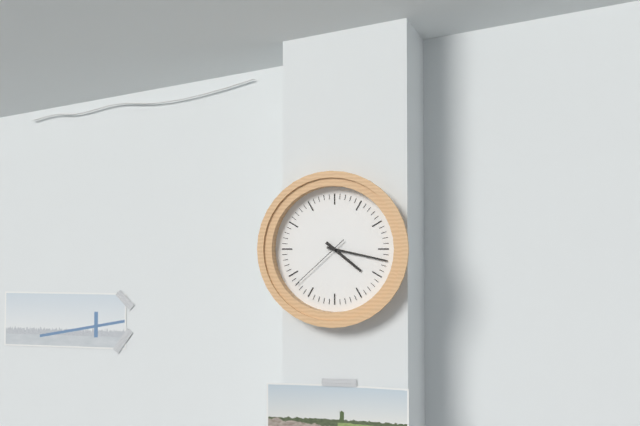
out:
4 h 17 min 38 s
